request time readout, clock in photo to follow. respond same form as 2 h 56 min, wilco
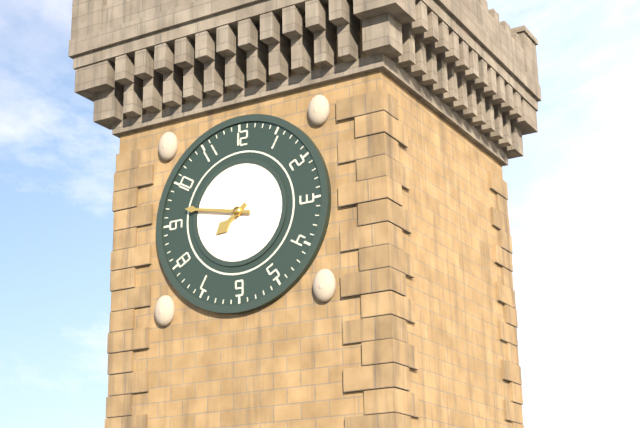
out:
7 h 47 min
